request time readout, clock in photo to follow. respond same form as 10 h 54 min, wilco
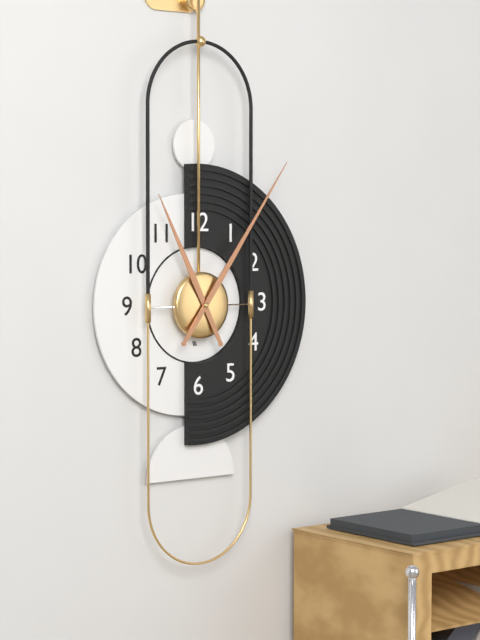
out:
11 h 06 min
